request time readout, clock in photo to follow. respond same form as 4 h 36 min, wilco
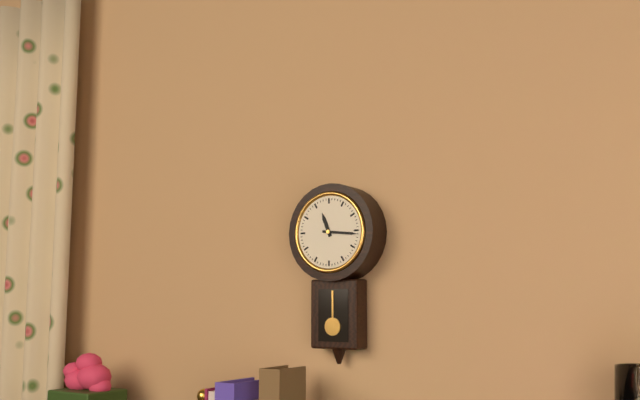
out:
11 h 16 min
